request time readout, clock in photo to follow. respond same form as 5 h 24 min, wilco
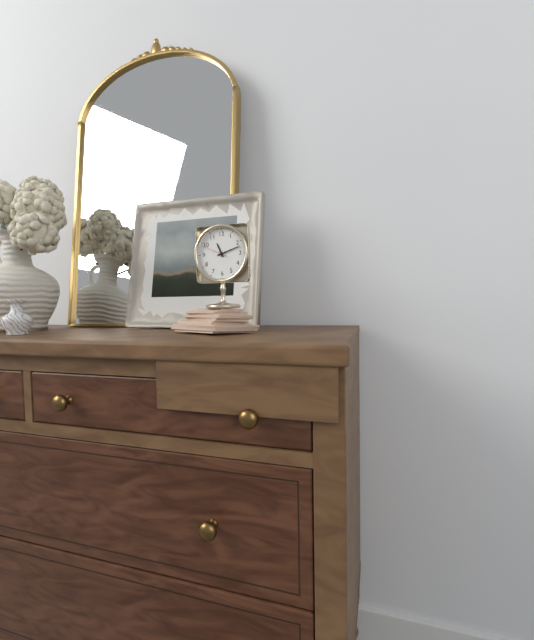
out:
11 h 12 min
